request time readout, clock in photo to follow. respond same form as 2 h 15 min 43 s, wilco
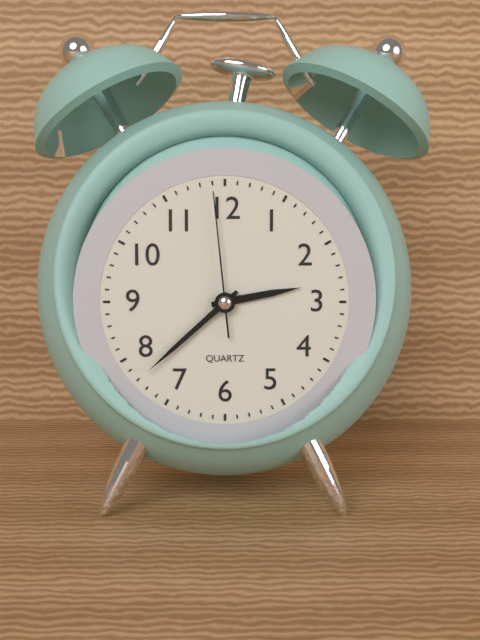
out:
2 h 38 min 59 s
